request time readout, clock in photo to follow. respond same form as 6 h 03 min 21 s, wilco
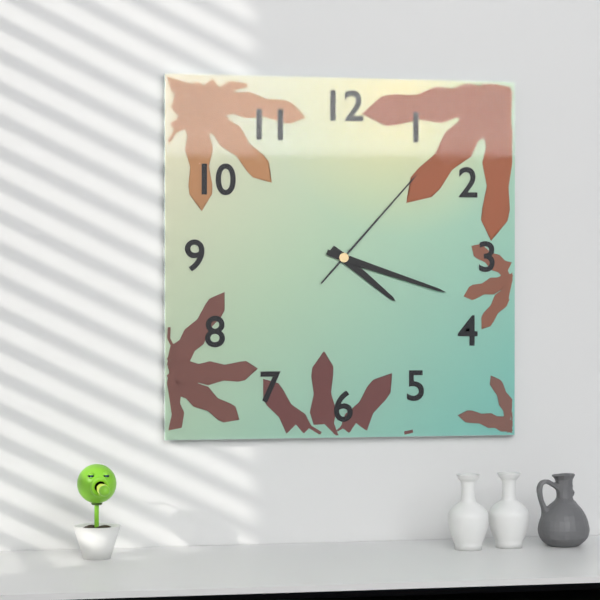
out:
4 h 18 min 07 s
